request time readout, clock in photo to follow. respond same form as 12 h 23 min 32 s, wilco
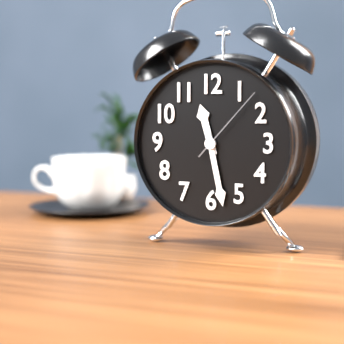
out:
11 h 28 min 07 s
